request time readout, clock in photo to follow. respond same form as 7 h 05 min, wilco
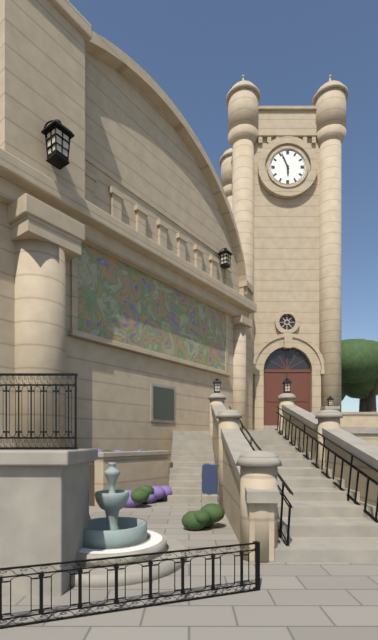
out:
5 h 56 min
